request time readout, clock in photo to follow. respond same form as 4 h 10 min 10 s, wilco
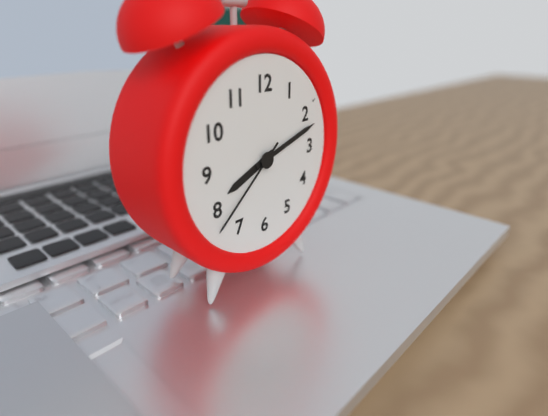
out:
8 h 12 min 38 s
